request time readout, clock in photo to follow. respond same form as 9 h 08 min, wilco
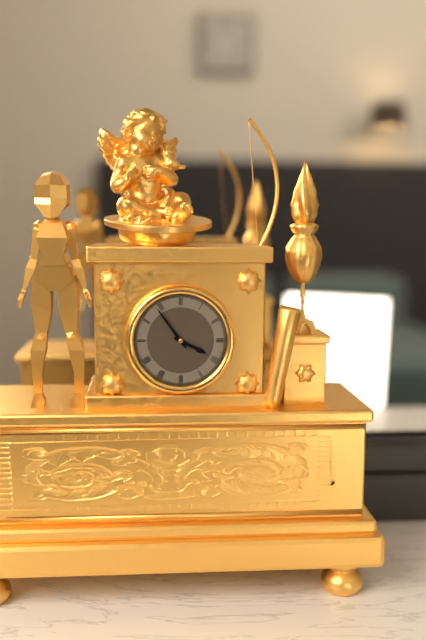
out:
3 h 54 min
